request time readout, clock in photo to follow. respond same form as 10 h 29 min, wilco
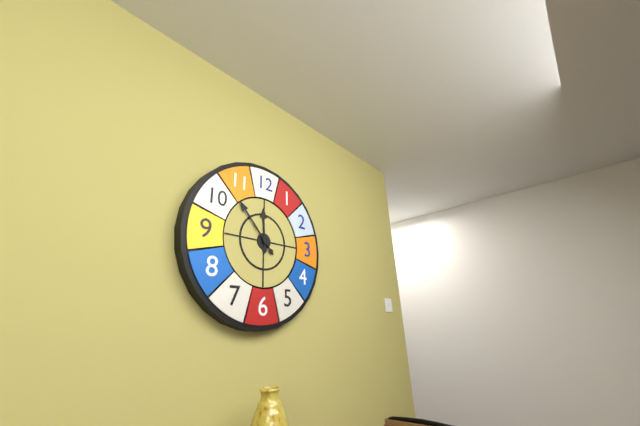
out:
11 h 53 min
